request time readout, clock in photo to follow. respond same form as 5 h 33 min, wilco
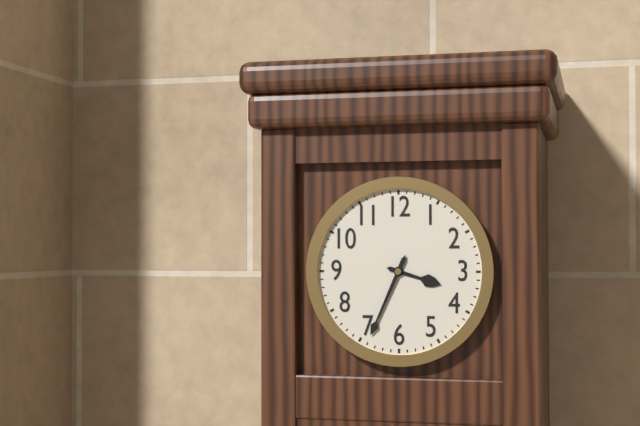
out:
3 h 34 min
